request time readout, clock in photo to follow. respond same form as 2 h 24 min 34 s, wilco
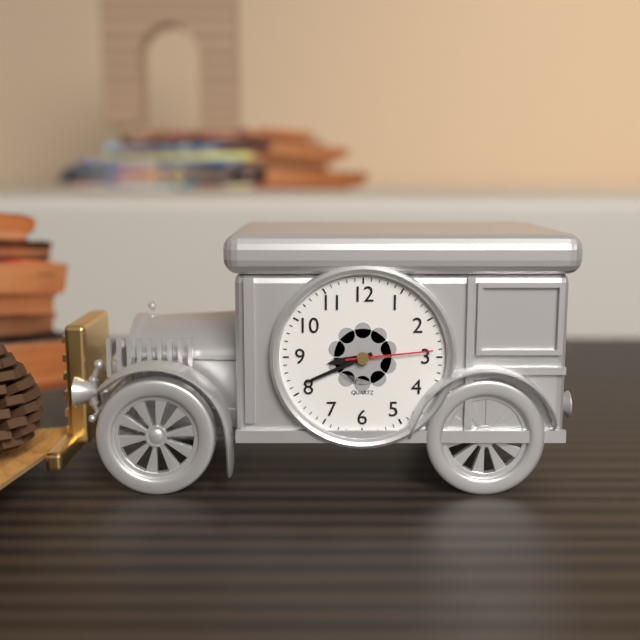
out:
8 h 41 min 14 s
